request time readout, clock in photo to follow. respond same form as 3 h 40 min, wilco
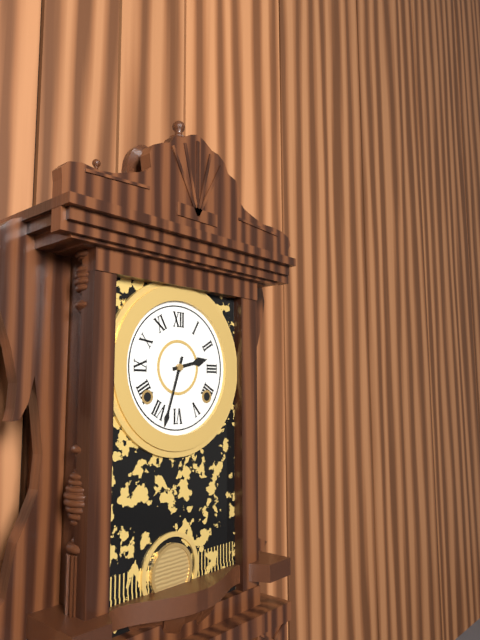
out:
2 h 33 min
